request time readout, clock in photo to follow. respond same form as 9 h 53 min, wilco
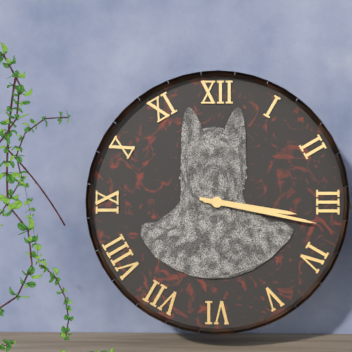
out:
3 h 17 min
